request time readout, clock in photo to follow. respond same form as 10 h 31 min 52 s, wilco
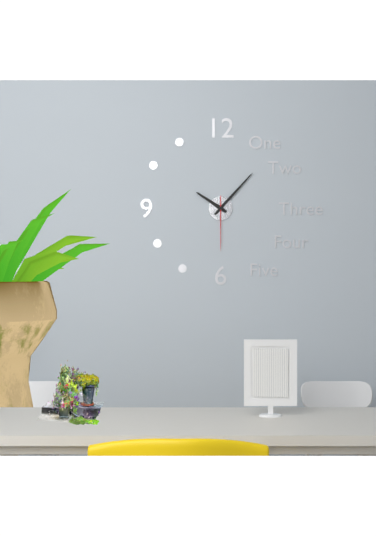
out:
10 h 07 min 30 s
